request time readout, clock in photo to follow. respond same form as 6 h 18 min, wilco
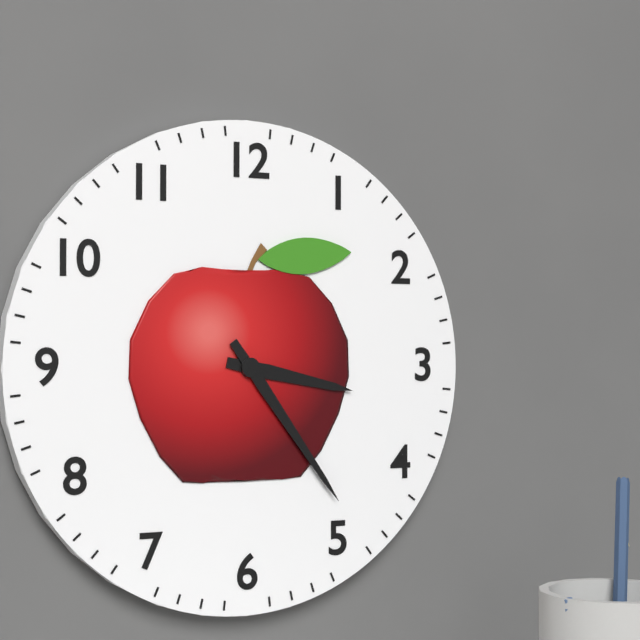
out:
3 h 24 min
